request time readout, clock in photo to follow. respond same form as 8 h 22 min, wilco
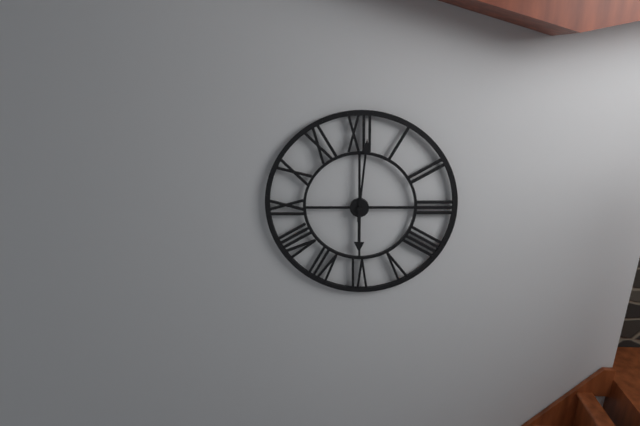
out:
6 h 01 min
